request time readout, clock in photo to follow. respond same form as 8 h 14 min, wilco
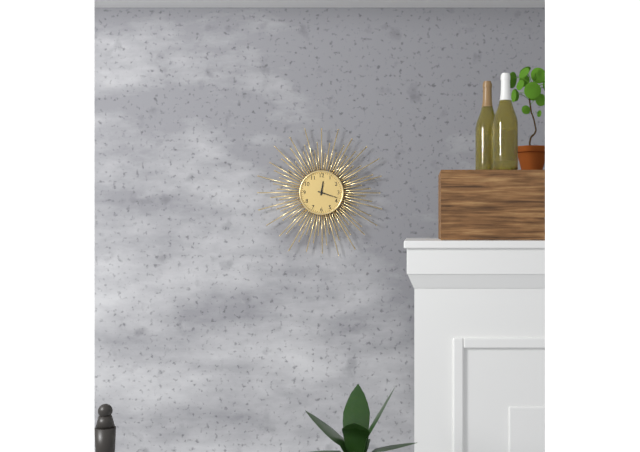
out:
12 h 18 min
